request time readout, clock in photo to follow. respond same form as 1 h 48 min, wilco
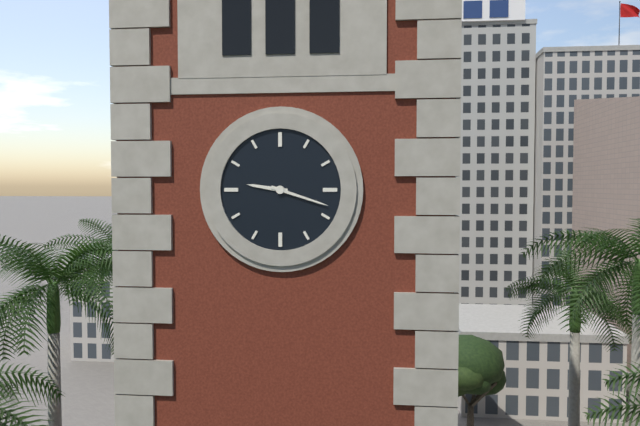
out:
9 h 18 min
